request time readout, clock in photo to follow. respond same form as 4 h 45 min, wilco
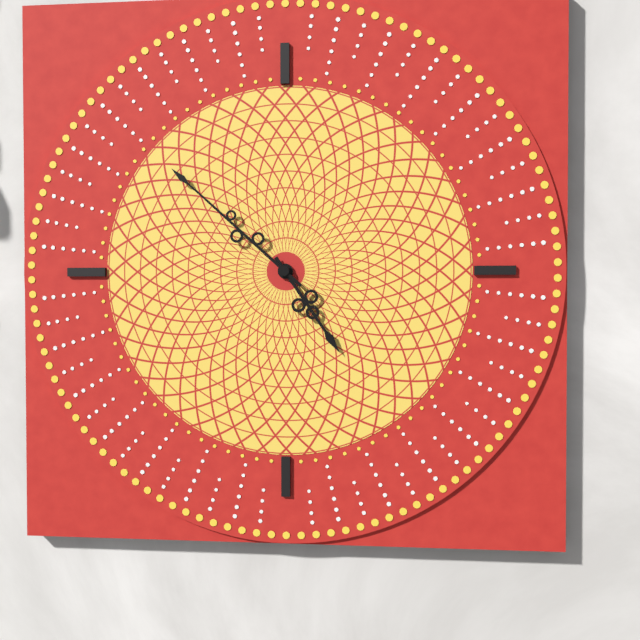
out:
4 h 52 min
